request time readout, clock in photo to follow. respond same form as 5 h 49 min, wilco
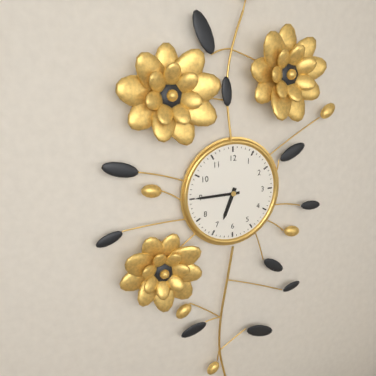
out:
6 h 45 min
